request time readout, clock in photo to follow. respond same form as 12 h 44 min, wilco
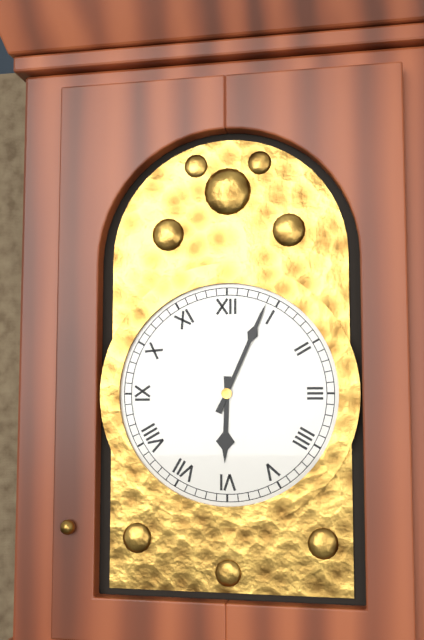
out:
6 h 04 min
